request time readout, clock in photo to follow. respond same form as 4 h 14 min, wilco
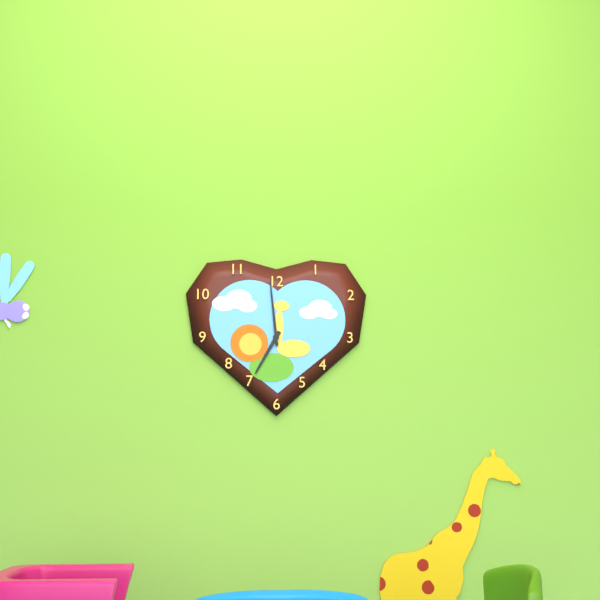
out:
6 h 59 min
